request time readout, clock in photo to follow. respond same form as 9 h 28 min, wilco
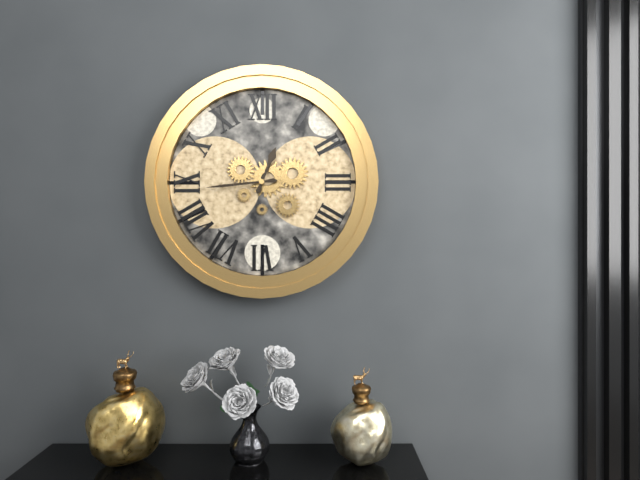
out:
12 h 44 min
